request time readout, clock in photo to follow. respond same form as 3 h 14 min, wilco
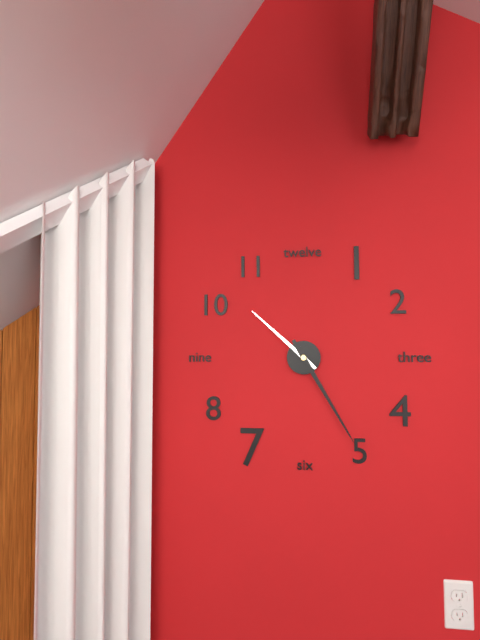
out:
10 h 25 min
